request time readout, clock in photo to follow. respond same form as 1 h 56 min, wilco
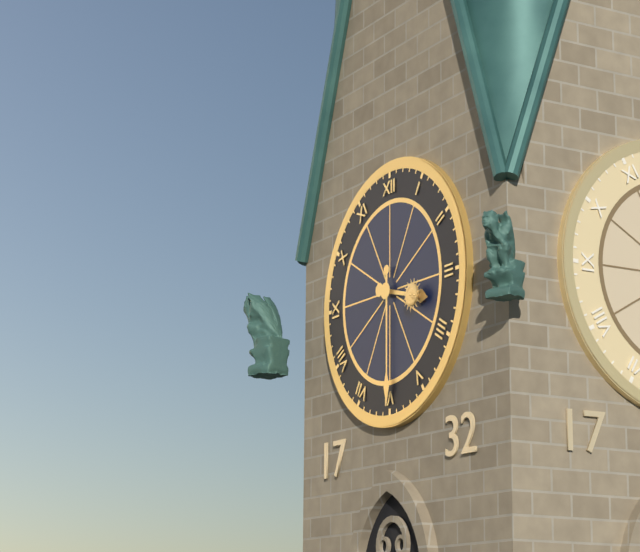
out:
3 h 30 min
